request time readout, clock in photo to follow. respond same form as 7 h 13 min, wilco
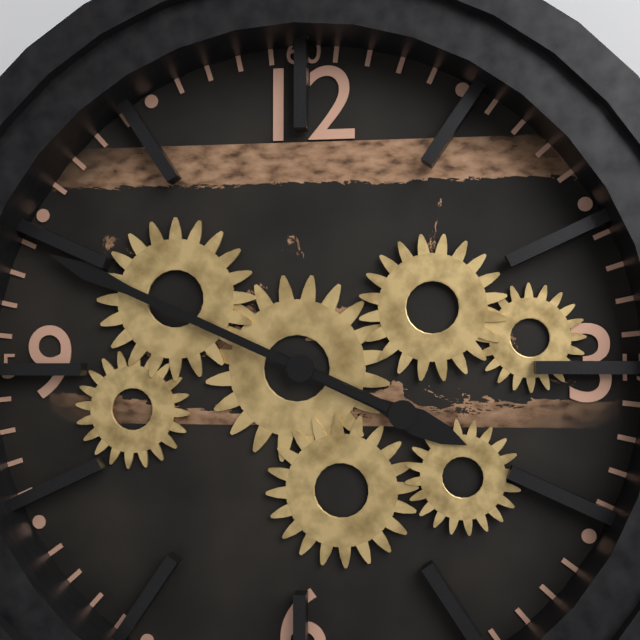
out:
3 h 49 min
